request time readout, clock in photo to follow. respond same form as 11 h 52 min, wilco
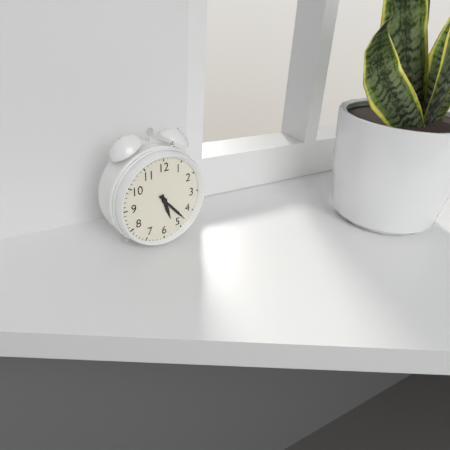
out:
5 h 23 min
